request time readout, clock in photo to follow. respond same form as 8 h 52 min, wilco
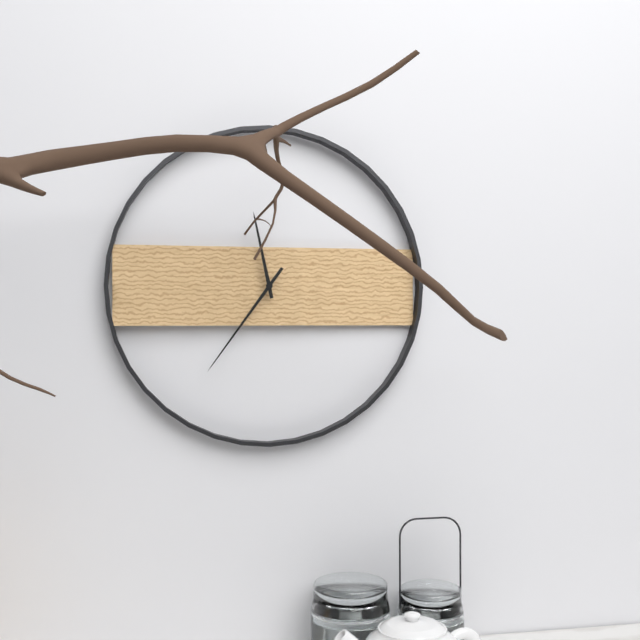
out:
11 h 36 min
